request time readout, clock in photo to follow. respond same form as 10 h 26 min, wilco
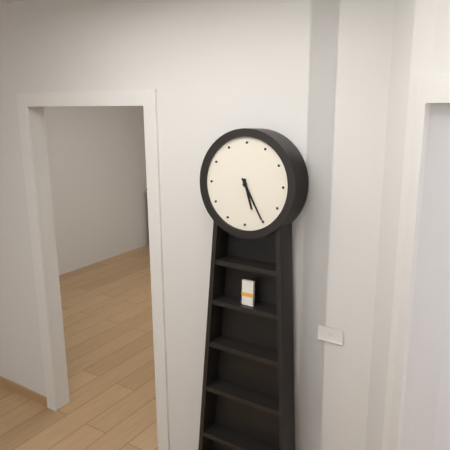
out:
5 h 25 min
